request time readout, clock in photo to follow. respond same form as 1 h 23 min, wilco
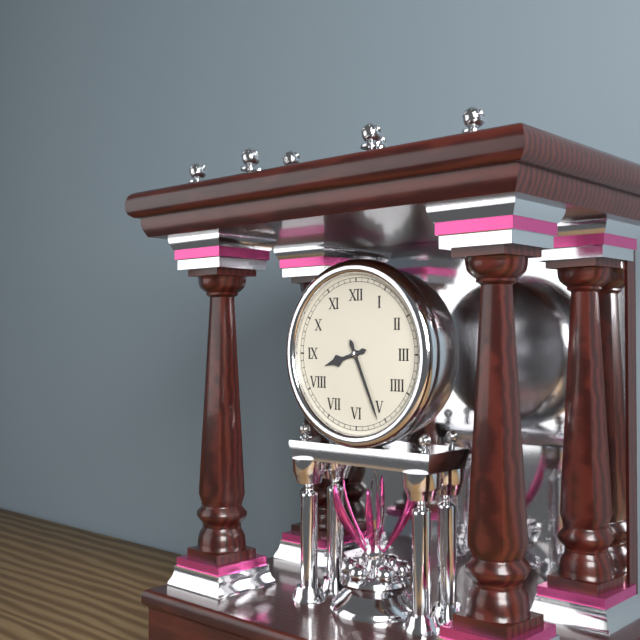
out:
8 h 26 min
